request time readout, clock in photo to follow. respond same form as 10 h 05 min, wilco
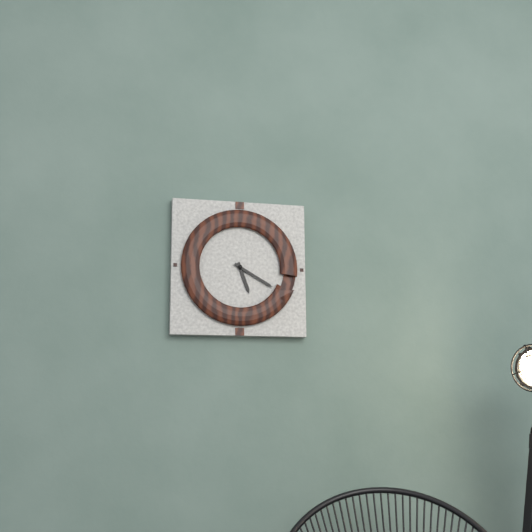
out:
5 h 20 min
